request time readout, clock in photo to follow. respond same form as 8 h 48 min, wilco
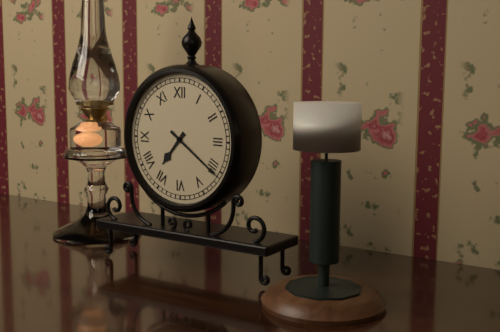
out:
7 h 21 min
